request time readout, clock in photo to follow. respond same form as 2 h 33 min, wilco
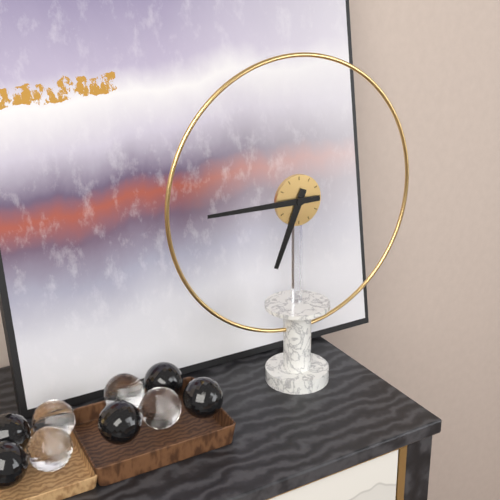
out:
6 h 45 min
